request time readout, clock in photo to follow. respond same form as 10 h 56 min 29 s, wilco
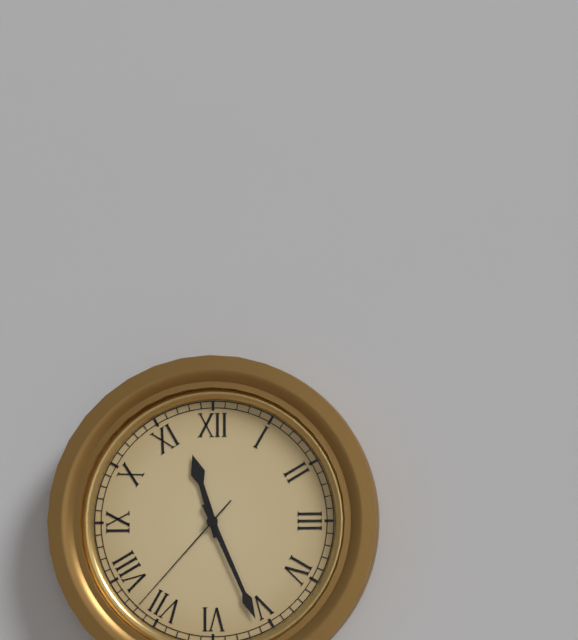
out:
11 h 26 min 37 s
